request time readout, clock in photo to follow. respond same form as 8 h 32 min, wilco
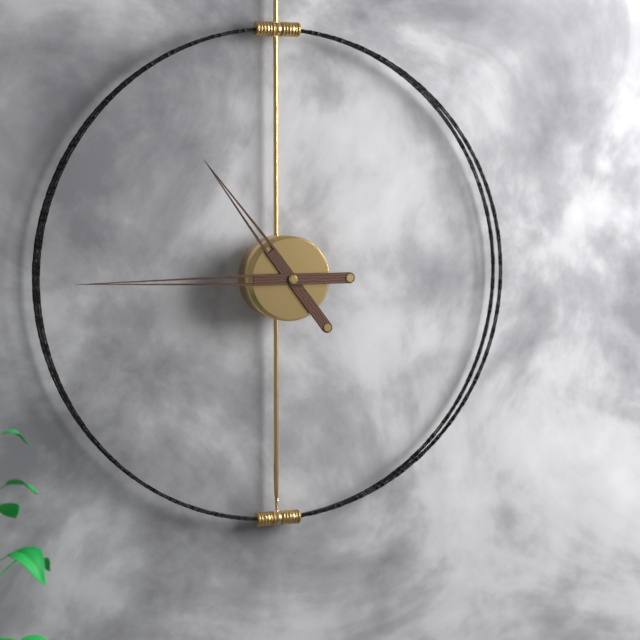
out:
10 h 45 min
